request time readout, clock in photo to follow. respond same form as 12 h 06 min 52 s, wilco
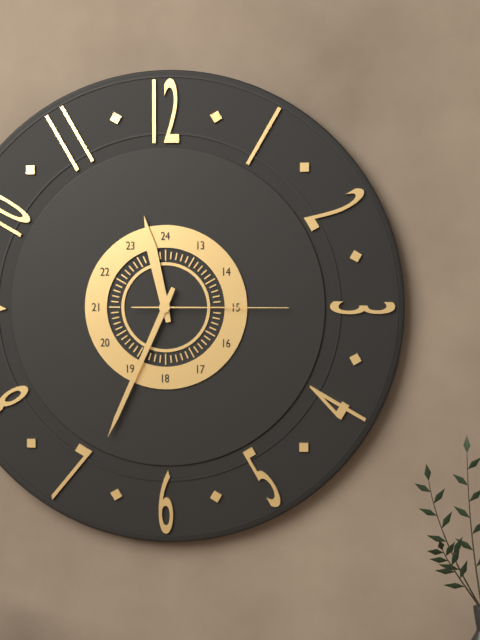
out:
11 h 34 min 15 s
